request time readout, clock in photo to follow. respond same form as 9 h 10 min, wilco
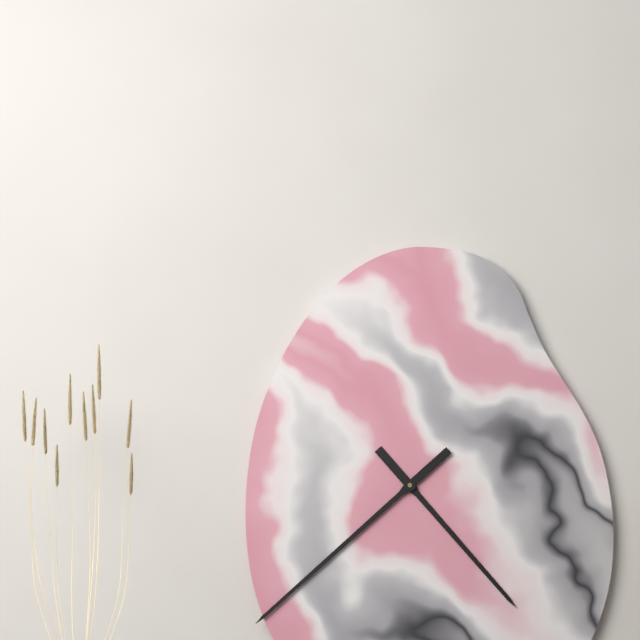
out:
4 h 38 min
